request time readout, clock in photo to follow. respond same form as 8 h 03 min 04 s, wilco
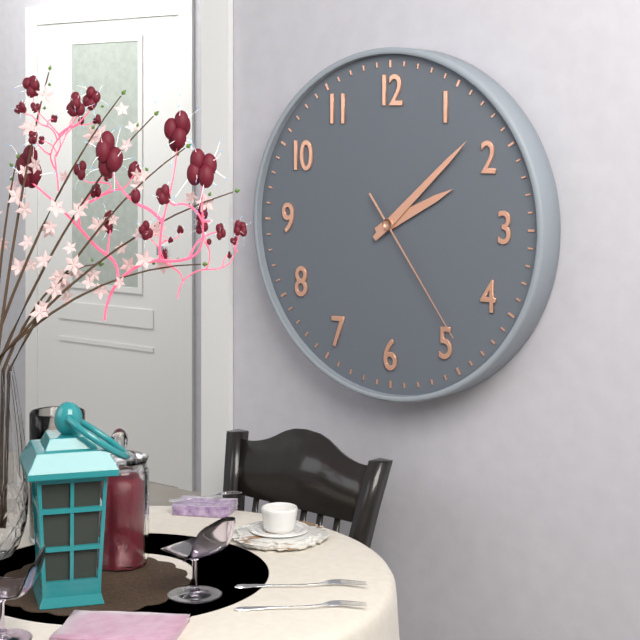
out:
2 h 08 min 24 s
